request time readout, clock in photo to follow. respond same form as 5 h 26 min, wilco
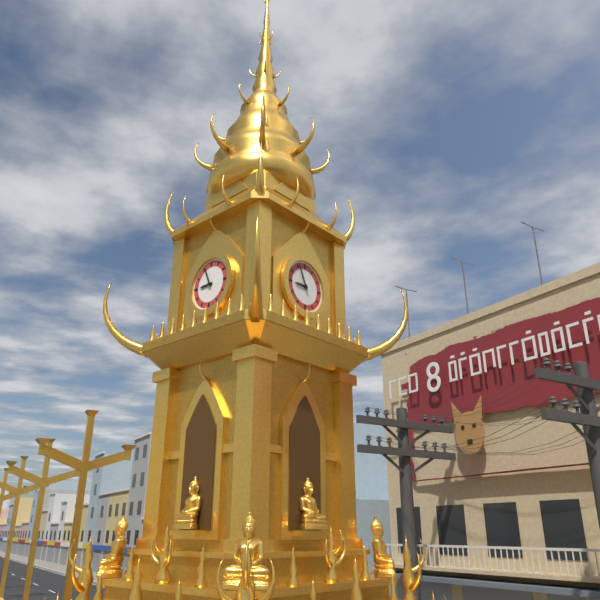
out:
8 h 56 min
